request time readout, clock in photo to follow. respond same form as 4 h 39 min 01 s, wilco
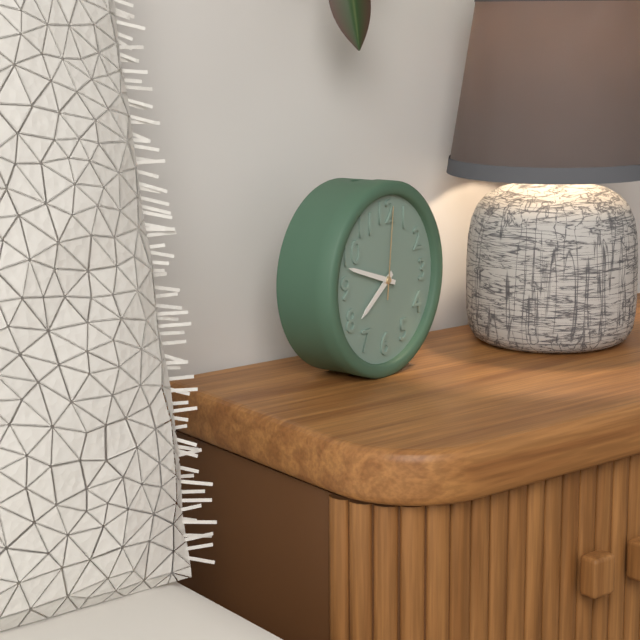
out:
7 h 48 min 01 s
